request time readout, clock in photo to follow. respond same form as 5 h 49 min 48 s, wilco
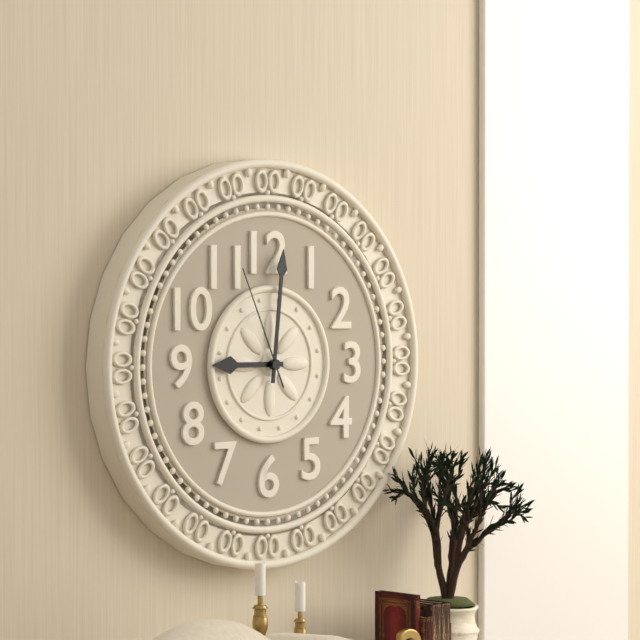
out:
9 h 01 min 56 s
